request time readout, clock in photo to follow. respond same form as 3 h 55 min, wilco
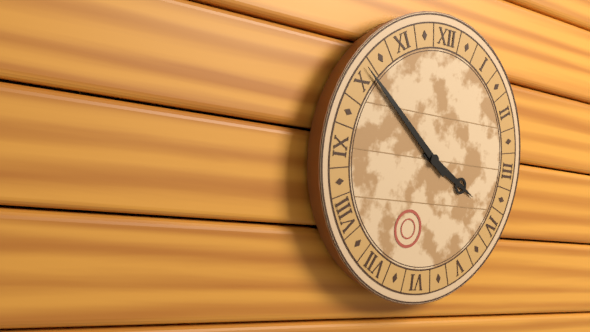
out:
3 h 51 min
